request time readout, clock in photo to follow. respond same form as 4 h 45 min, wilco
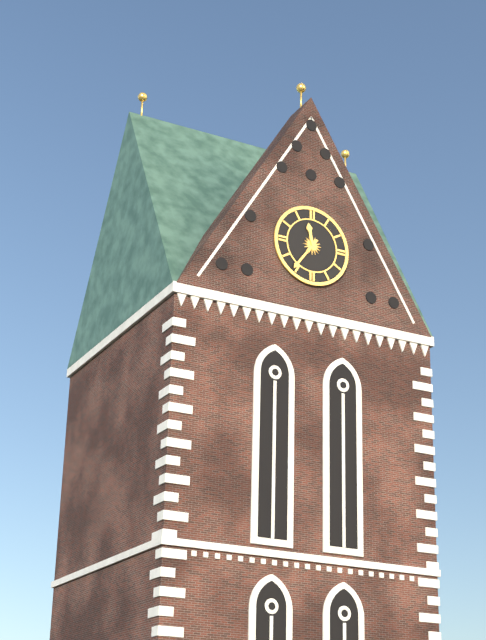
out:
11 h 36 min
